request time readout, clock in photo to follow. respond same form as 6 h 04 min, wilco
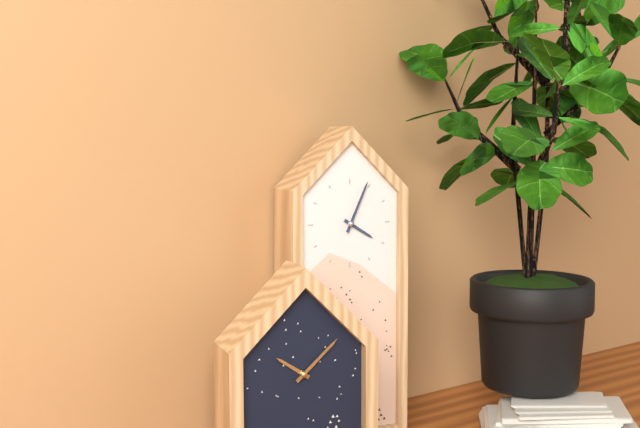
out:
4 h 04 min
